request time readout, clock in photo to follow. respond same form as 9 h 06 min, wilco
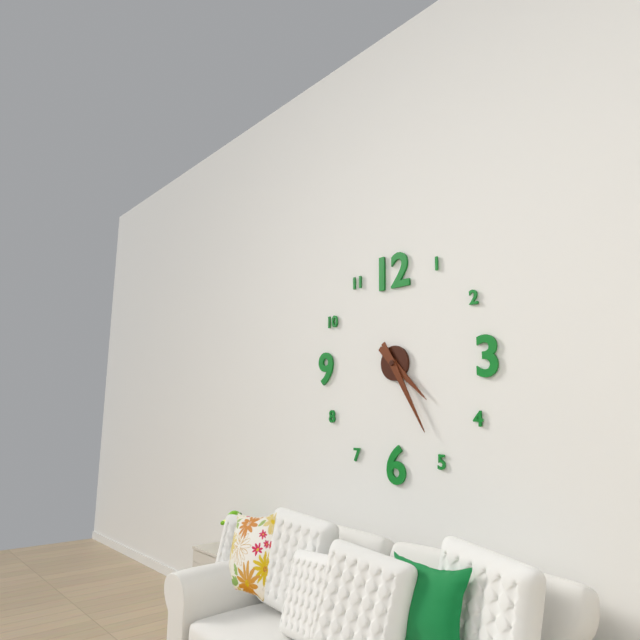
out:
4 h 25 min
